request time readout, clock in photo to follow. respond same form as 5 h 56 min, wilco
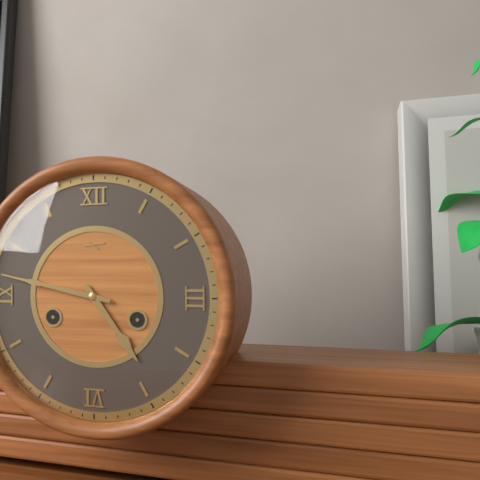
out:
4 h 47 min
